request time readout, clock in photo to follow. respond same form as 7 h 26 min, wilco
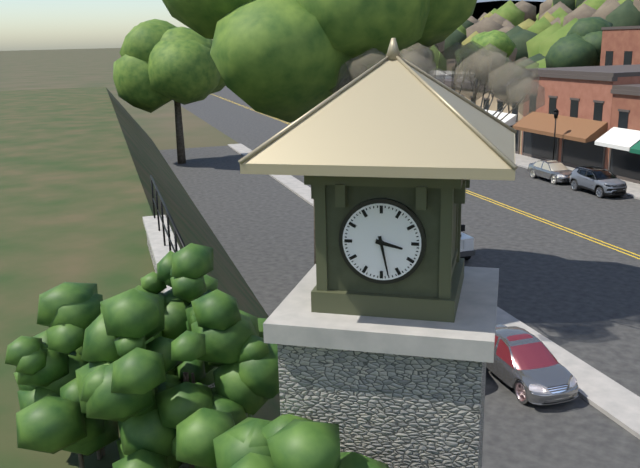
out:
3 h 28 min
